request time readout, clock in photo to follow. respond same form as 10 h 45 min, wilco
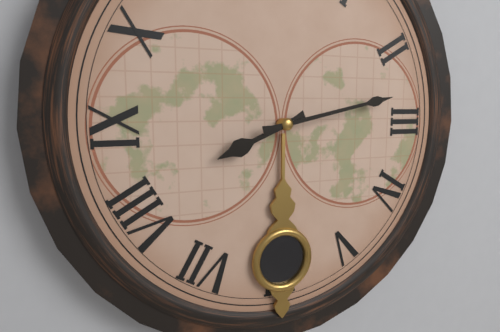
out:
8 h 13 min
